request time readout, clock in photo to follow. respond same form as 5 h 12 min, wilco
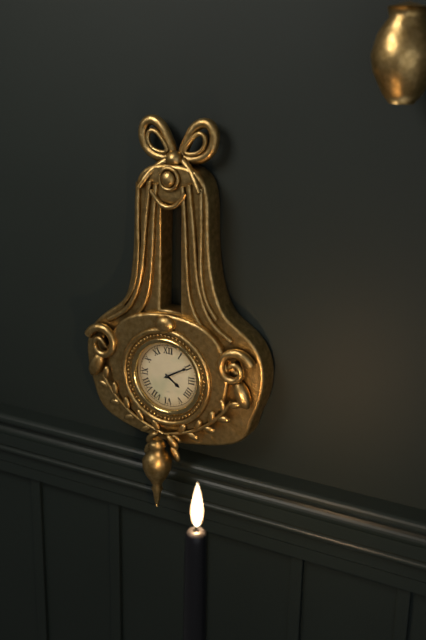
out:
4 h 10 min
